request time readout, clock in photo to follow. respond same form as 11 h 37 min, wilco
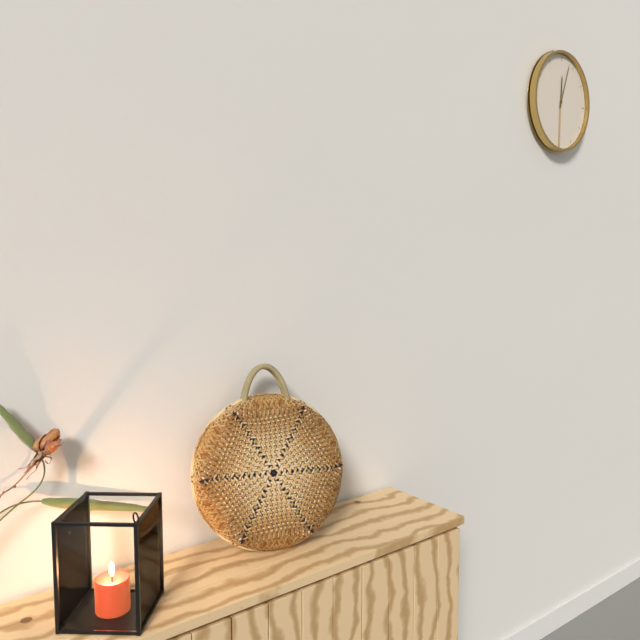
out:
12 h 03 min
